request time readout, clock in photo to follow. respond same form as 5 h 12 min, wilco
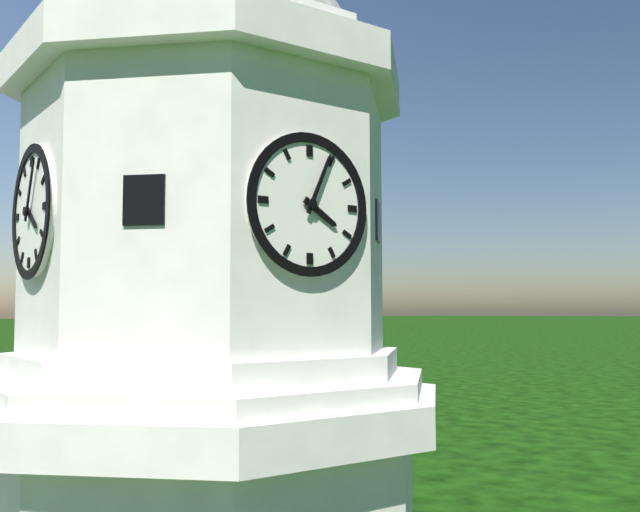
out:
4 h 04 min
